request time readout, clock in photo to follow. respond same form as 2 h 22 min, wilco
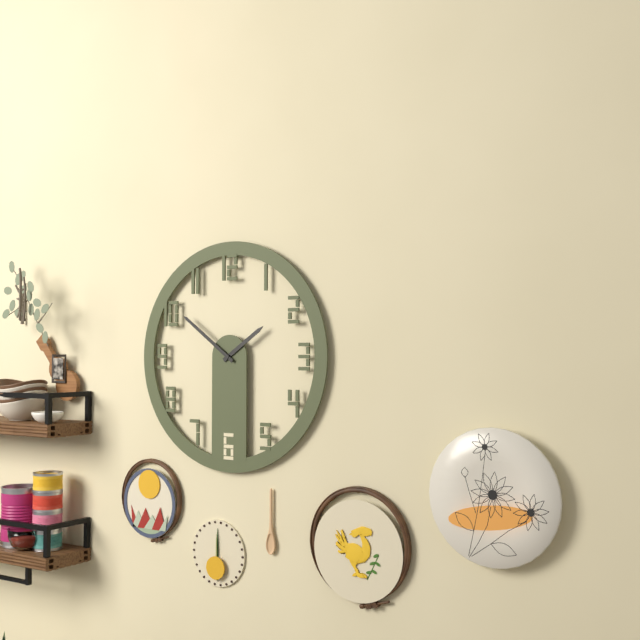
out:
1 h 51 min
